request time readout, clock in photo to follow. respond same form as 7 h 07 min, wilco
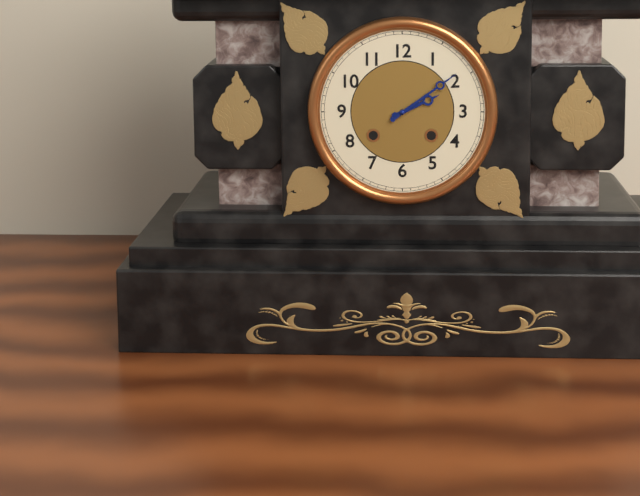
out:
2 h 09 min
